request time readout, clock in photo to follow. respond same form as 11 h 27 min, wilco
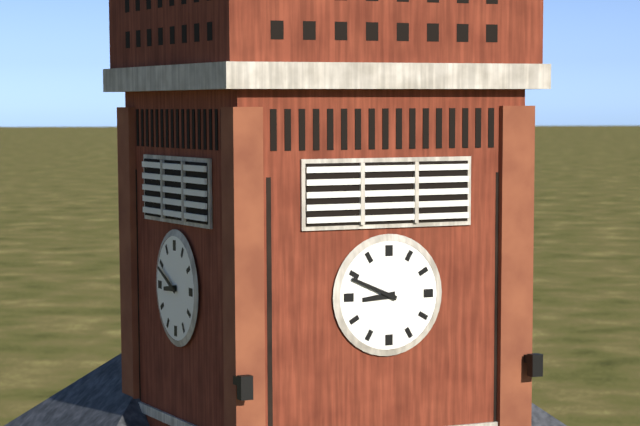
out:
8 h 49 min
